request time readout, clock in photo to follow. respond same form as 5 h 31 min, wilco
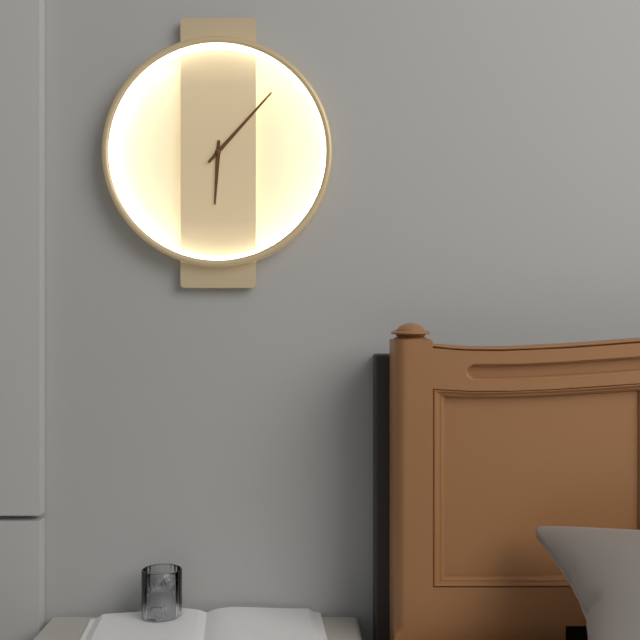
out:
6 h 07 min
